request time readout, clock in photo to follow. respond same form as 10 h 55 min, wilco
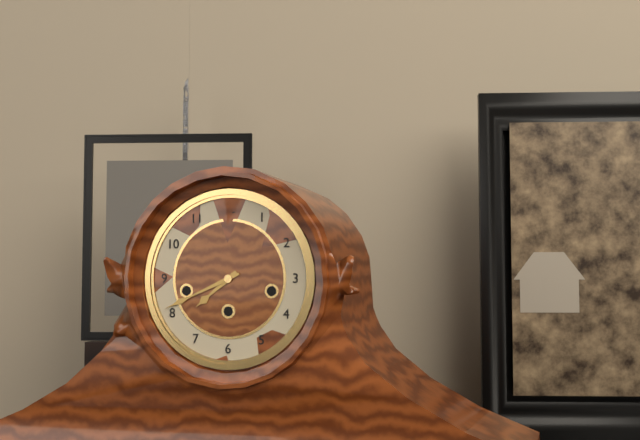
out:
7 h 41 min
